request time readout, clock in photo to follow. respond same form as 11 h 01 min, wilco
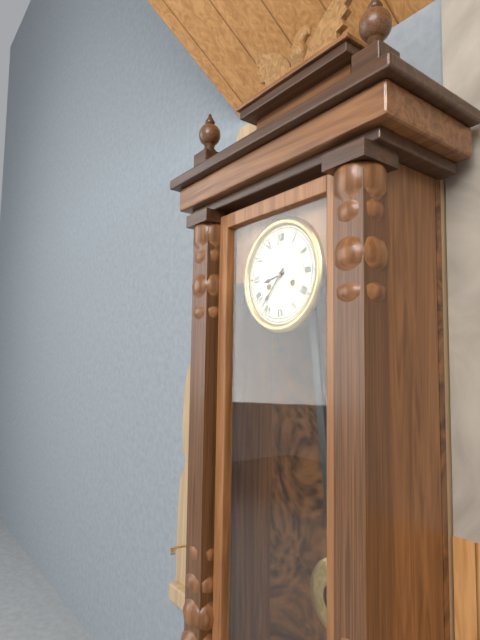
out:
8 h 37 min
